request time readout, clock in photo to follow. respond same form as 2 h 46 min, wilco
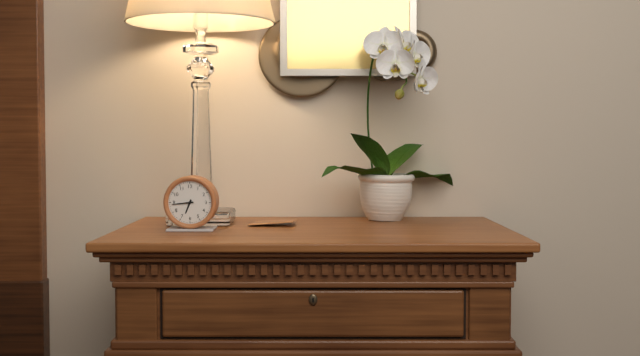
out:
6 h 44 min
